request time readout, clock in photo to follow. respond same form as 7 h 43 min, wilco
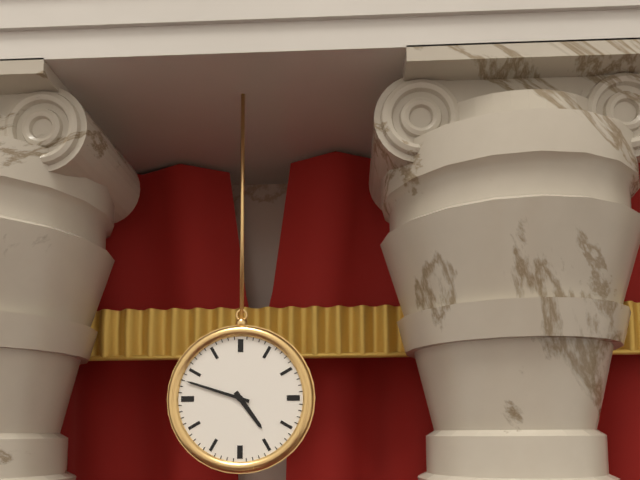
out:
4 h 48 min
